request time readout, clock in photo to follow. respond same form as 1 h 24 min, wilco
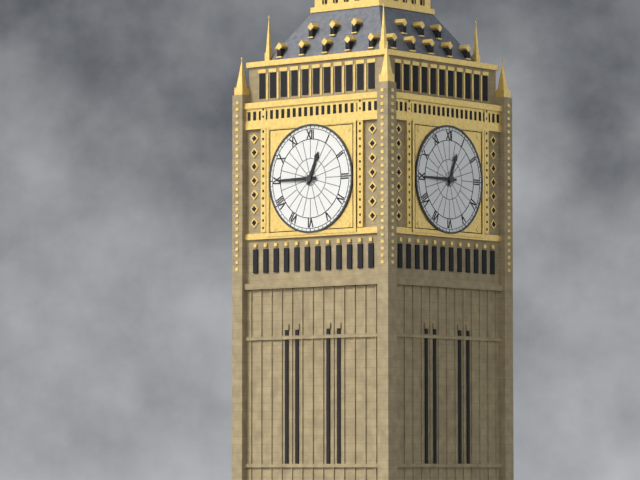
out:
12 h 45 min
